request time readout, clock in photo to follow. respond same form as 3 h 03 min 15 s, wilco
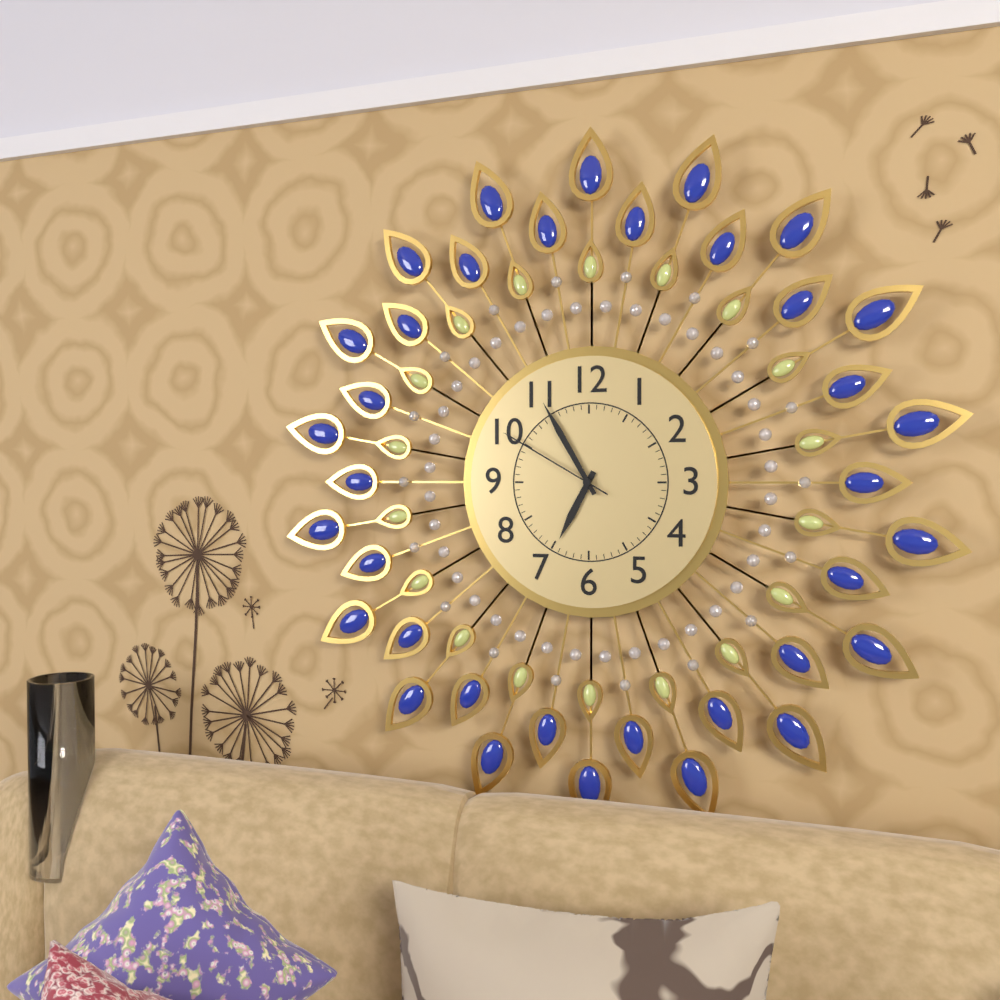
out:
6 h 55 min 50 s
